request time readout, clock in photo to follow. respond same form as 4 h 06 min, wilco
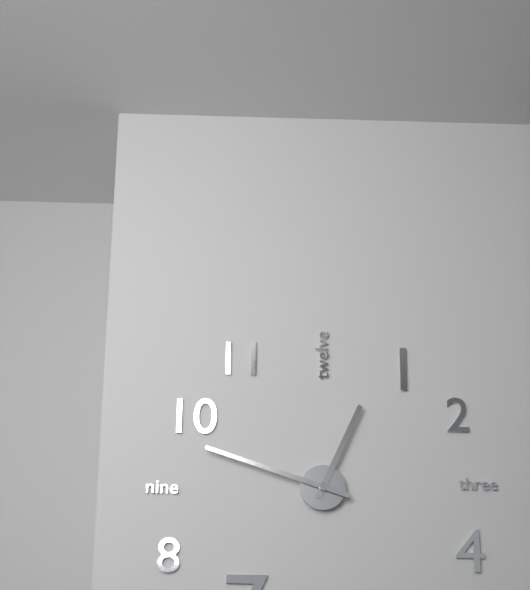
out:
12 h 48 min
